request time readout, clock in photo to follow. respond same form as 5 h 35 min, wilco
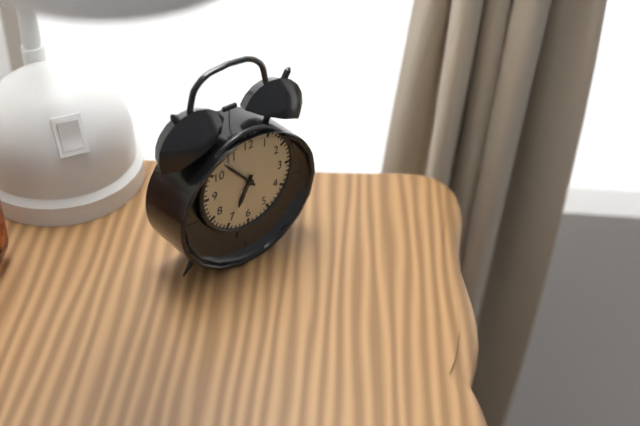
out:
6 h 53 min
